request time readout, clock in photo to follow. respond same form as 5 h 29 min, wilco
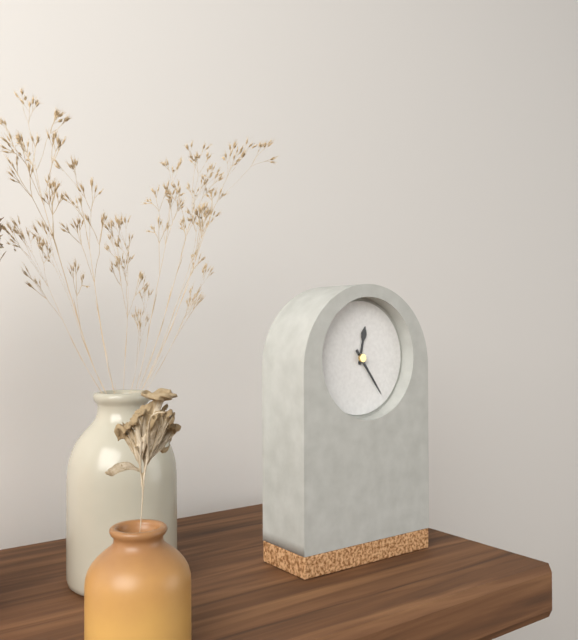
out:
12 h 24 min
